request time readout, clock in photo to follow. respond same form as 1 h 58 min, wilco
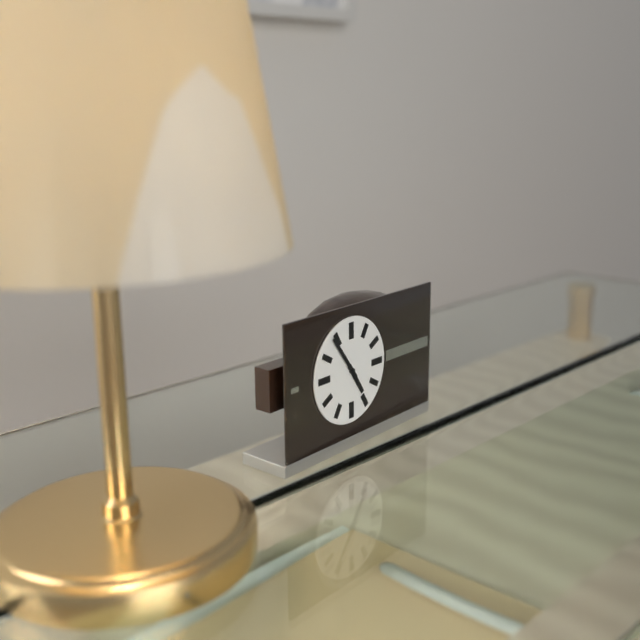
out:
4 h 54 min
